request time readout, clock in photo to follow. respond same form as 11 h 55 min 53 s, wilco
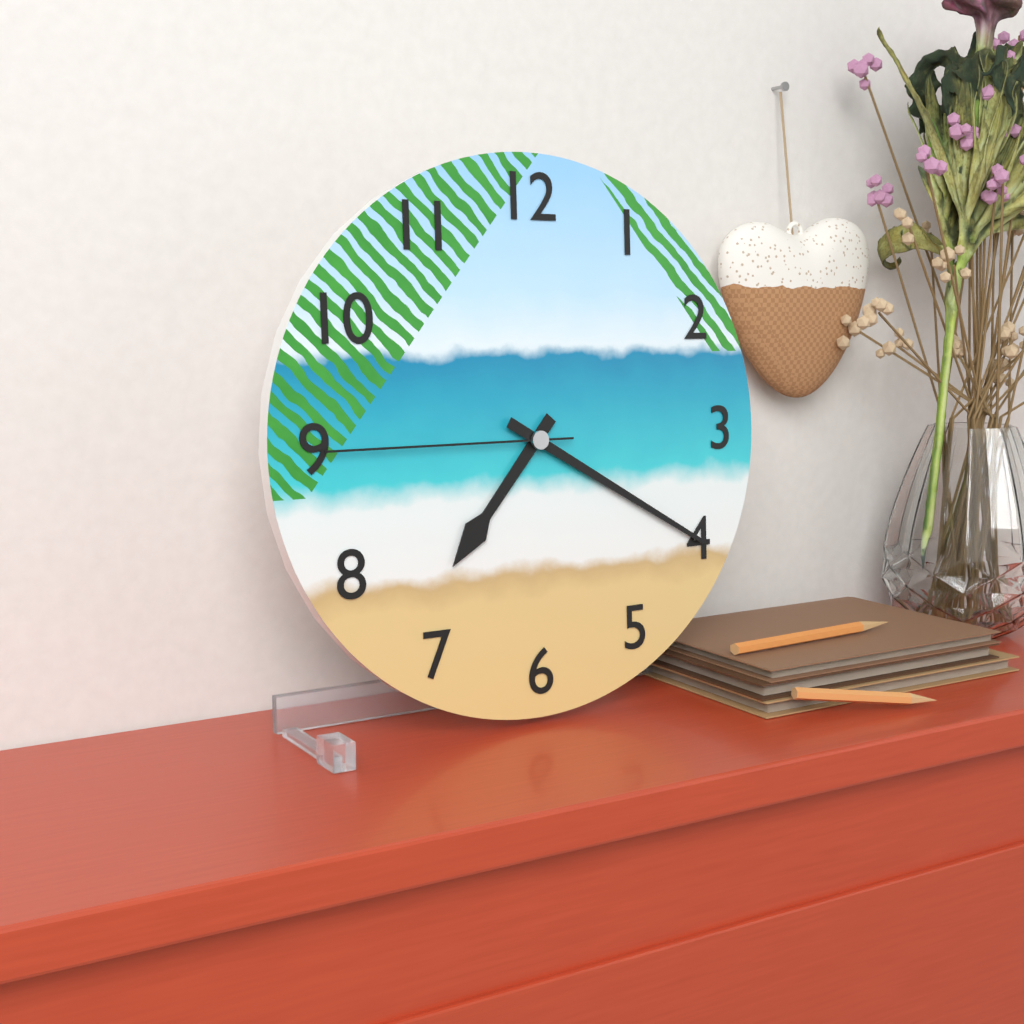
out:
7 h 20 min 45 s
